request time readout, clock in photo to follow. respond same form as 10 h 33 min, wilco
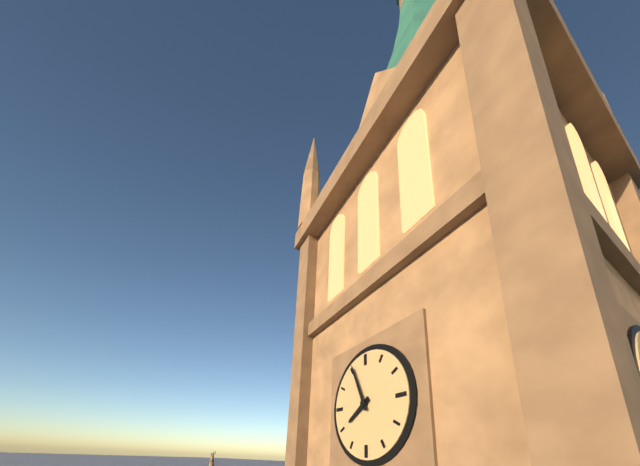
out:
7 h 56 min
